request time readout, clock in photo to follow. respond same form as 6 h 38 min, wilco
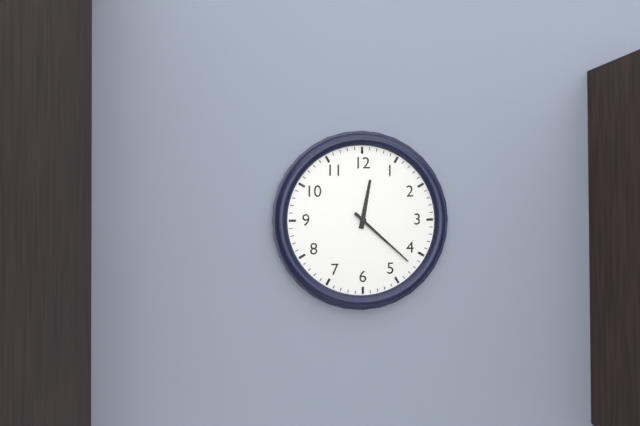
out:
12 h 22 min
